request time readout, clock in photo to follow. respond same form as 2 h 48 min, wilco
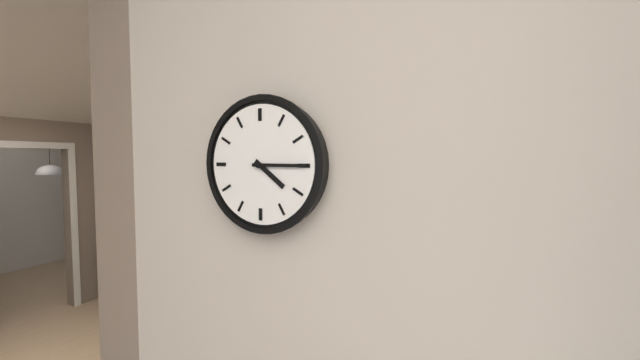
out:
4 h 15 min
